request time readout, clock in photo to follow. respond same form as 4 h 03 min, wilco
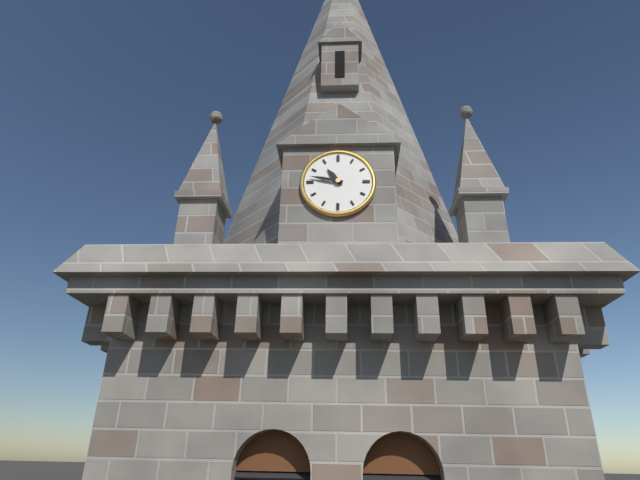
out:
10 h 47 min
